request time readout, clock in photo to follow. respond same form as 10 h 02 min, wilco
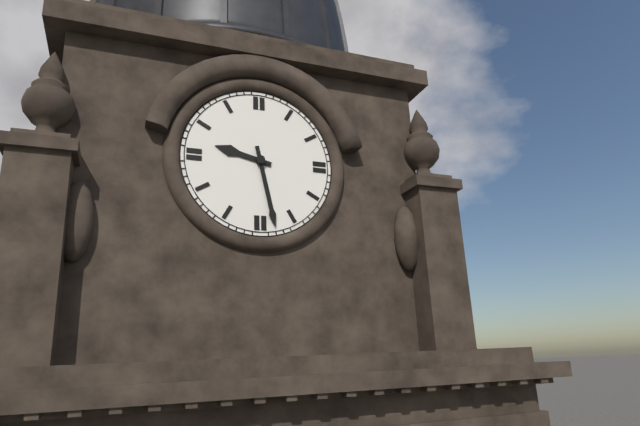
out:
9 h 28 min
